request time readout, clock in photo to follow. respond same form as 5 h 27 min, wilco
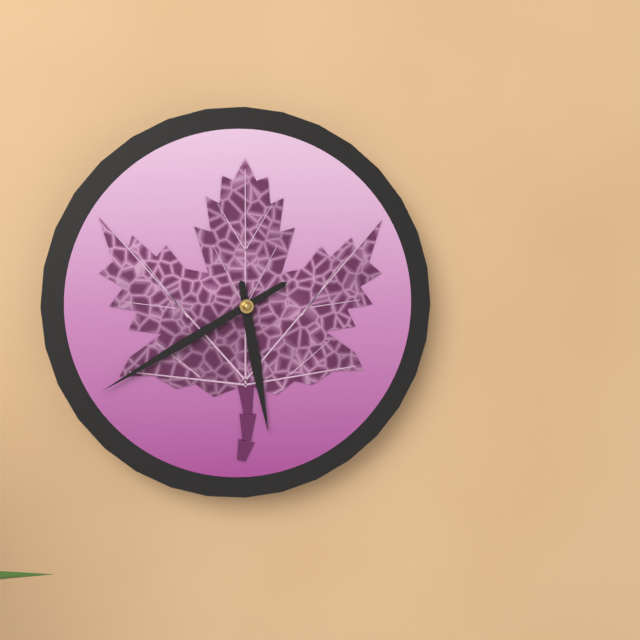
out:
5 h 40 min
